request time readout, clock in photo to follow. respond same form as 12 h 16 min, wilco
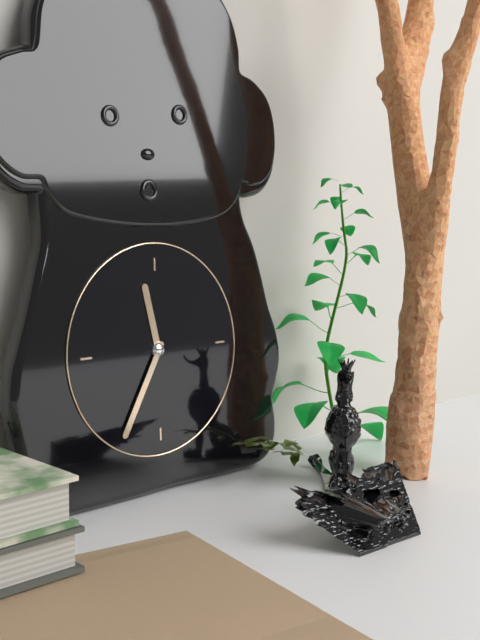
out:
11 h 35 min
